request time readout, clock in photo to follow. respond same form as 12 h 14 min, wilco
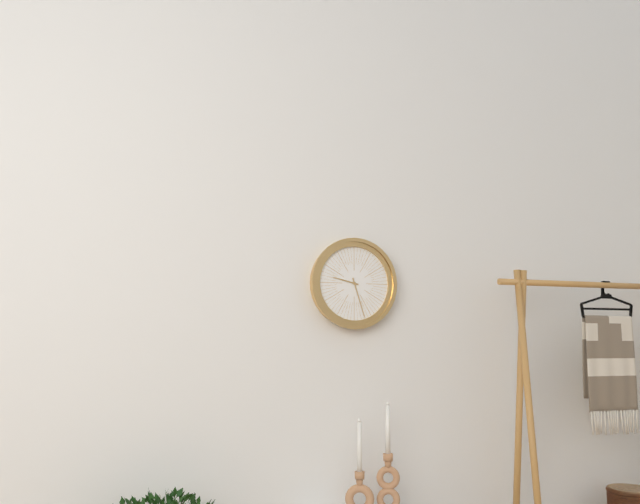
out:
9 h 27 min
